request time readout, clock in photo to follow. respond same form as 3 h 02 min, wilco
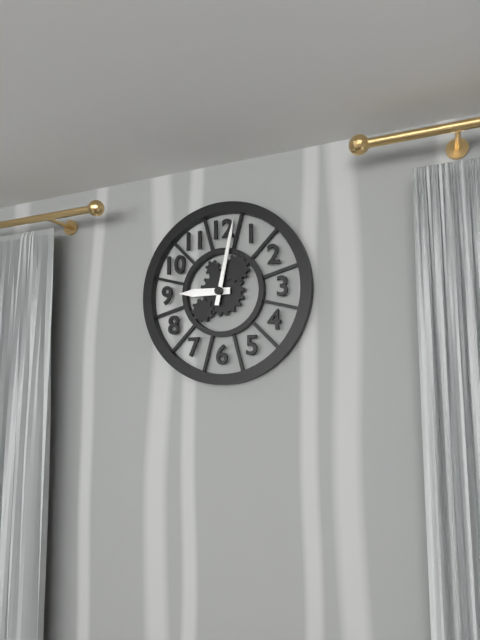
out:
9 h 02 min
